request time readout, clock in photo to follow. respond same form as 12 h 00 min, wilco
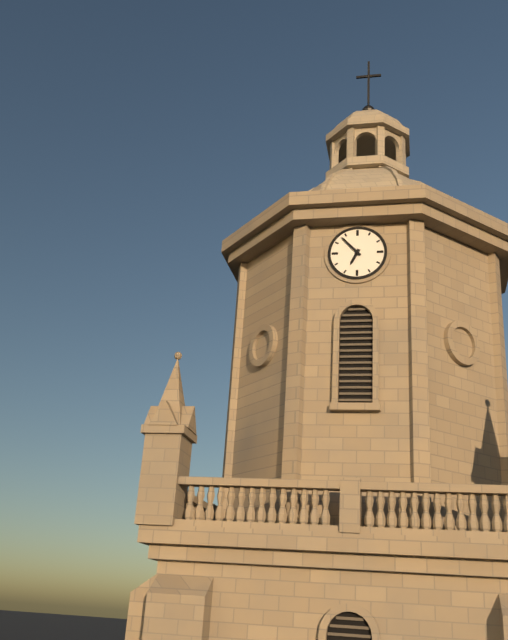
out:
6 h 53 min
